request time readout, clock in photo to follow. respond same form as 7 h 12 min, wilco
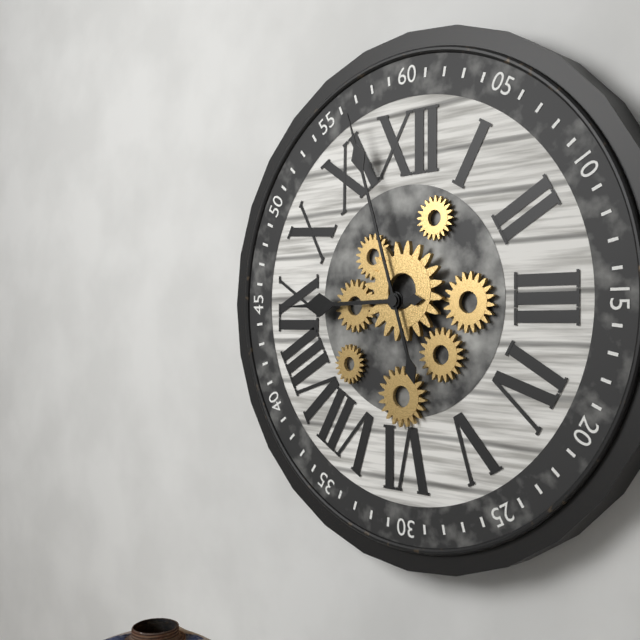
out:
8 h 57 min
